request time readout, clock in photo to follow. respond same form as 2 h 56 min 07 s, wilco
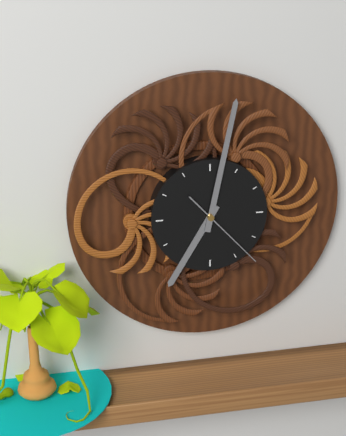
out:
7 h 02 min 23 s
